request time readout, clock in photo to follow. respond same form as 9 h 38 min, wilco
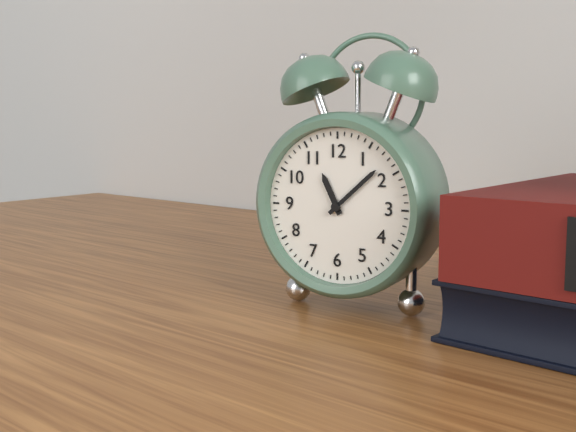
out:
11 h 08 min
